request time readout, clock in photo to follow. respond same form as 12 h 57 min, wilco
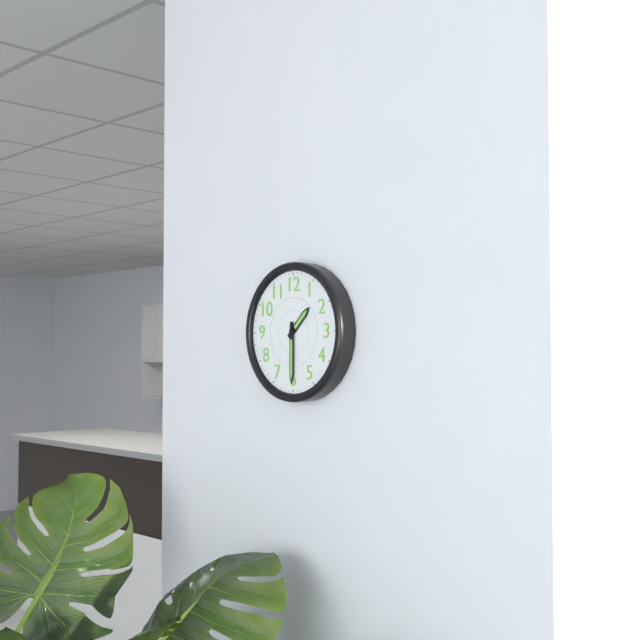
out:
1 h 30 min
